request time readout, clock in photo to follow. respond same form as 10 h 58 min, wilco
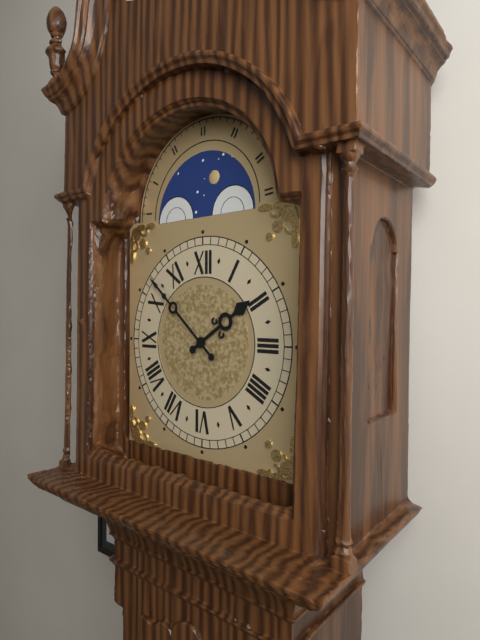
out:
1 h 52 min
